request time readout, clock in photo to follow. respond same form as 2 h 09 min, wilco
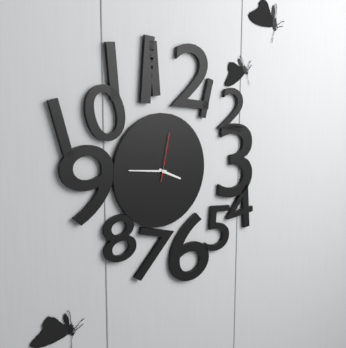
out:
3 h 46 min
